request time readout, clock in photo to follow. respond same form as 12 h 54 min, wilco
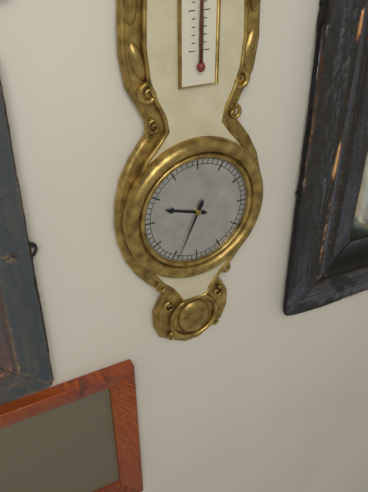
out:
9 h 34 min
